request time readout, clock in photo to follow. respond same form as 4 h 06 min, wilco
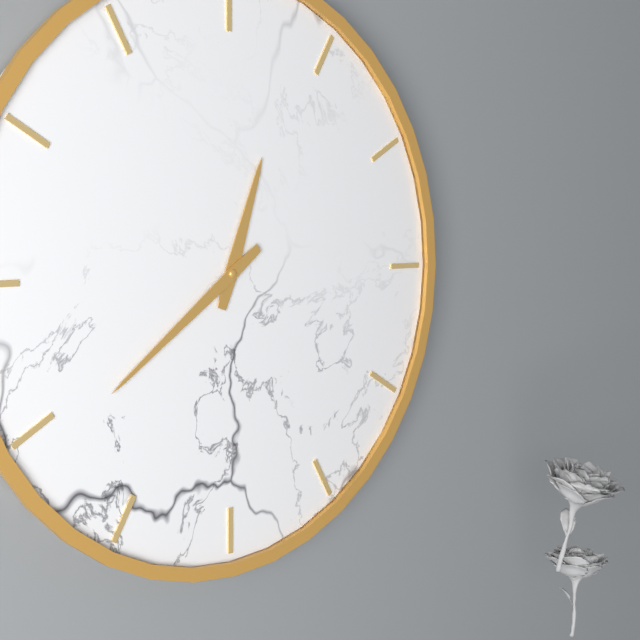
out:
12 h 39 min
